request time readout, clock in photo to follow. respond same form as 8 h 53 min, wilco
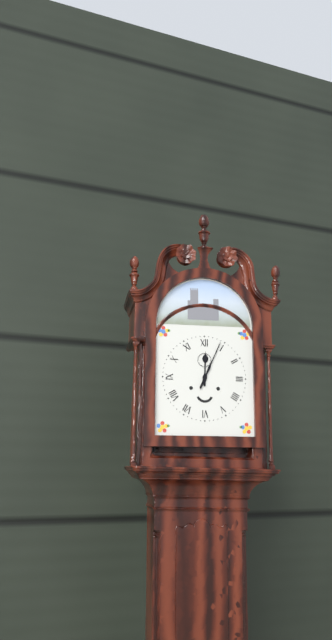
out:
12 h 04 min
